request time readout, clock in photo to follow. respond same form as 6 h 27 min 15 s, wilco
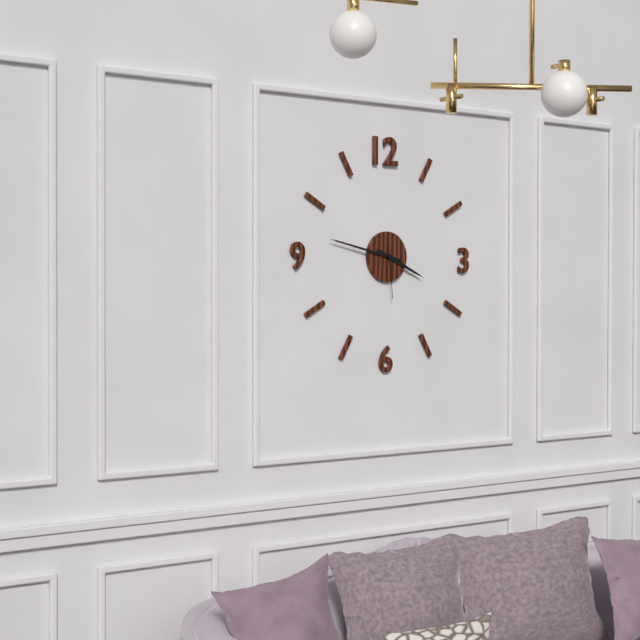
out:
3 h 47 min 29 s
